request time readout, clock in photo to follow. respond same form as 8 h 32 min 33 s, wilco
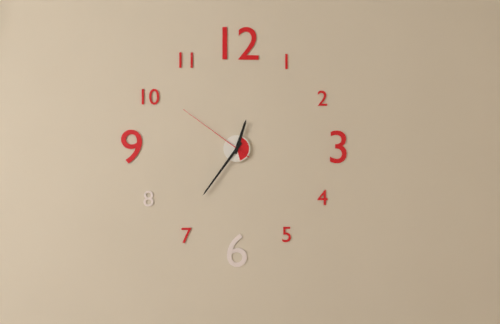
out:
12 h 36 min 51 s
